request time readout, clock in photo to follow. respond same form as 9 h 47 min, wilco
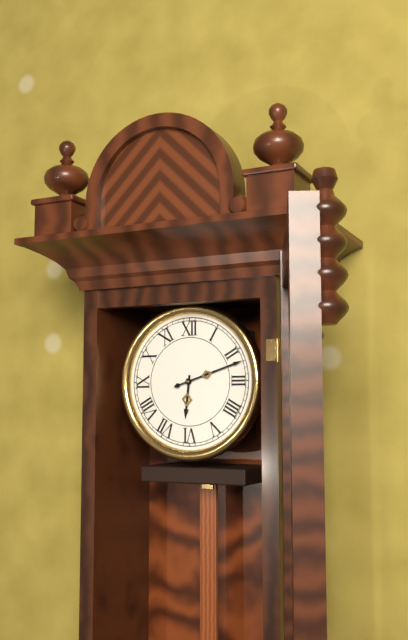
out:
6 h 12 min
